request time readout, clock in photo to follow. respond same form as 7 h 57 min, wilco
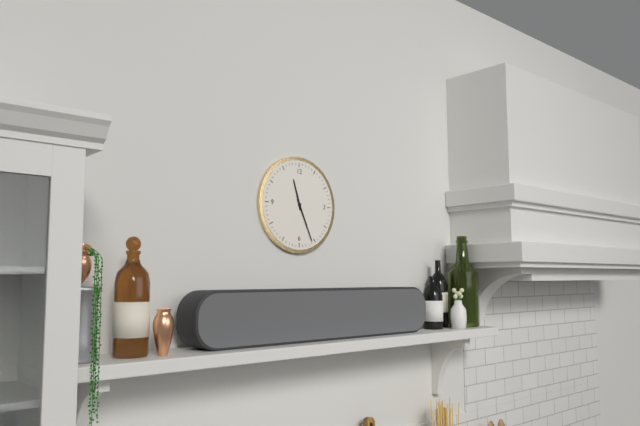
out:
11 h 26 min
